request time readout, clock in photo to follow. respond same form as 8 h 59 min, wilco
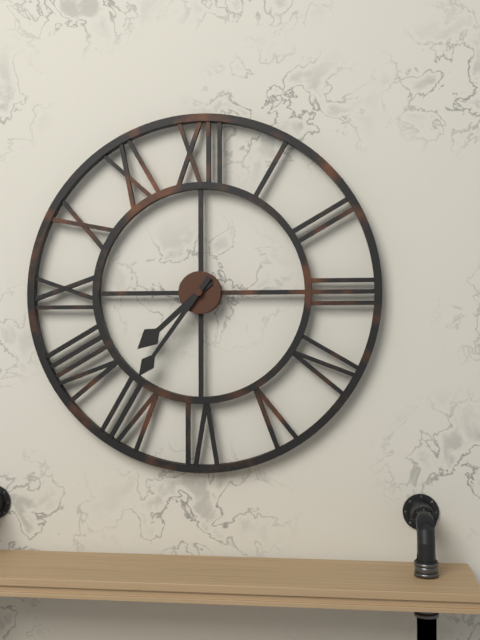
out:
7 h 36 min
